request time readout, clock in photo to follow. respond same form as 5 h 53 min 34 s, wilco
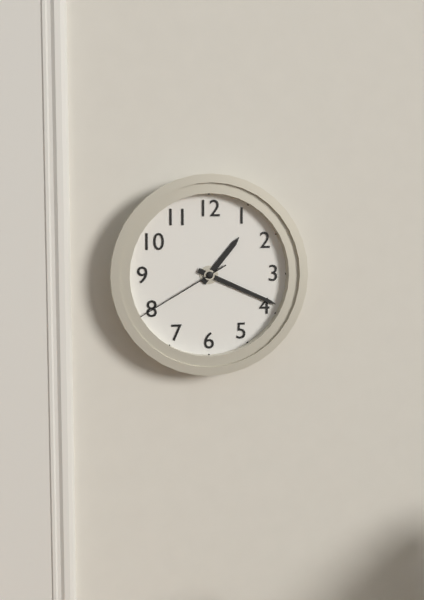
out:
1 h 19 min 40 s
